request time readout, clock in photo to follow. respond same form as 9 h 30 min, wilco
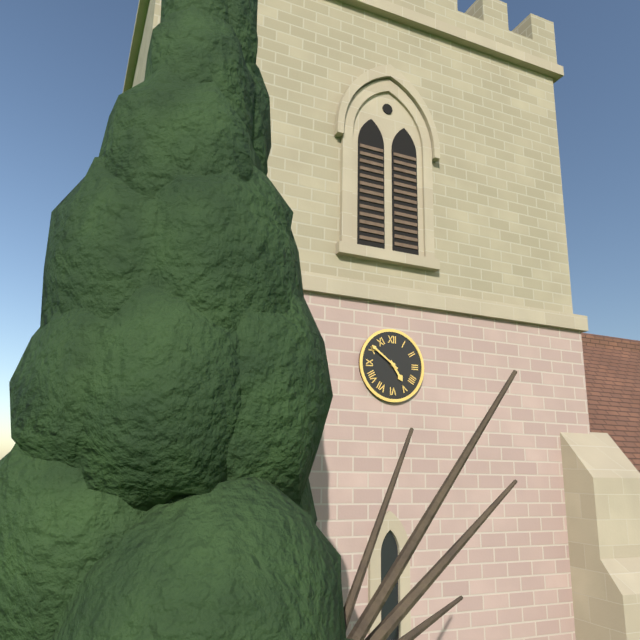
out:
4 h 51 min
